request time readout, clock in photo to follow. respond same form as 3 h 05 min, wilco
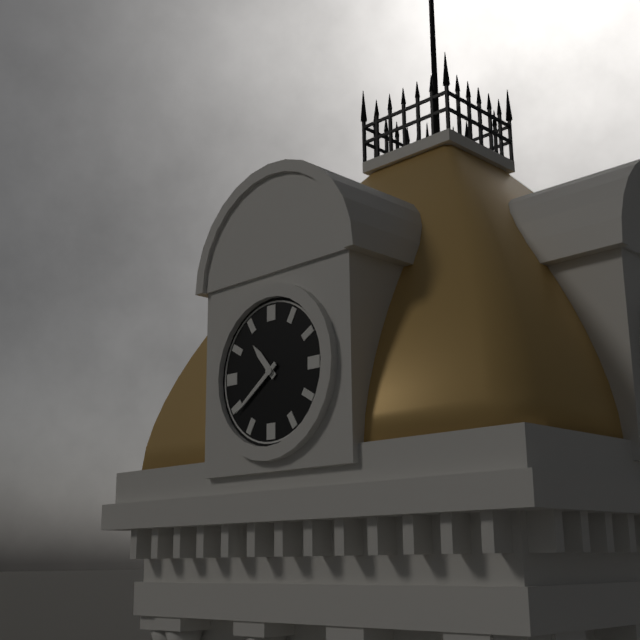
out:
10 h 39 min
